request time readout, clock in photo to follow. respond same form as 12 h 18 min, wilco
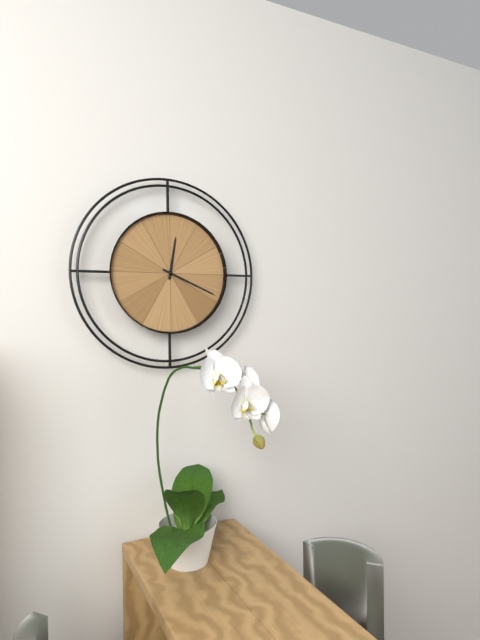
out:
12 h 19 min
